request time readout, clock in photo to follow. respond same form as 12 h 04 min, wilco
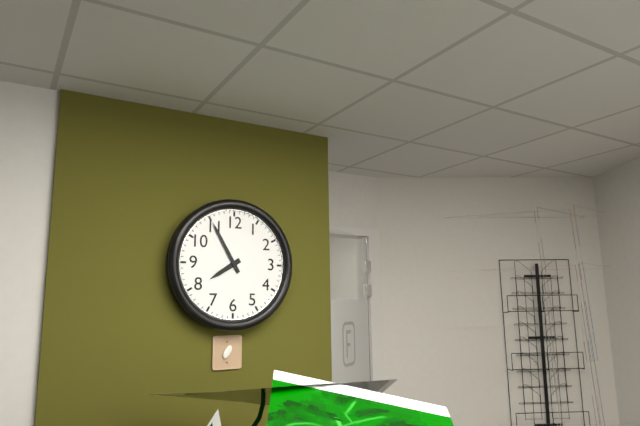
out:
7 h 55 min
